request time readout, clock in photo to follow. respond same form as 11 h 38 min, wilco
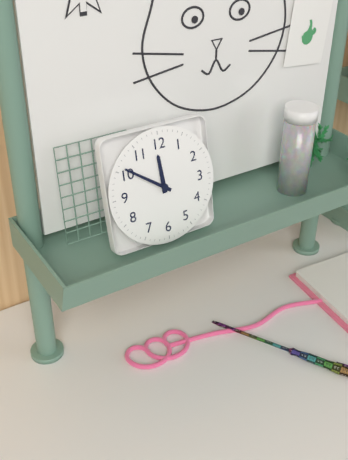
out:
11 h 51 min
